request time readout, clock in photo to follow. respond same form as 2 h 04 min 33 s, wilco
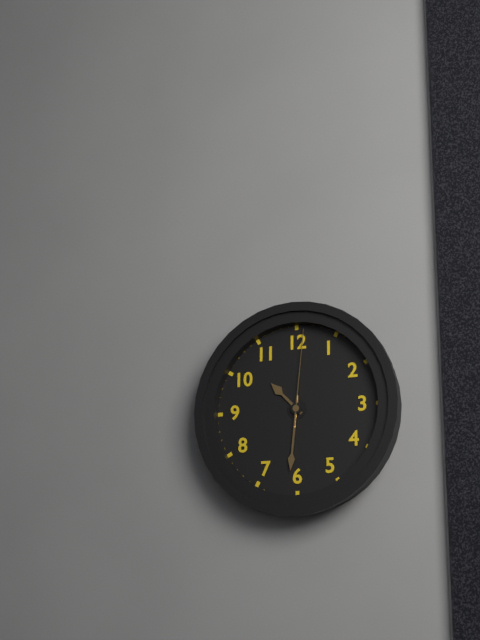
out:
10 h 31 min 01 s
